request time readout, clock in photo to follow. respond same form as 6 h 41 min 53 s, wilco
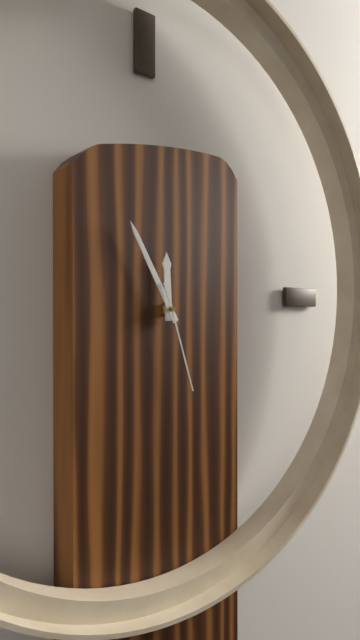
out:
11 h 55 min 27 s
